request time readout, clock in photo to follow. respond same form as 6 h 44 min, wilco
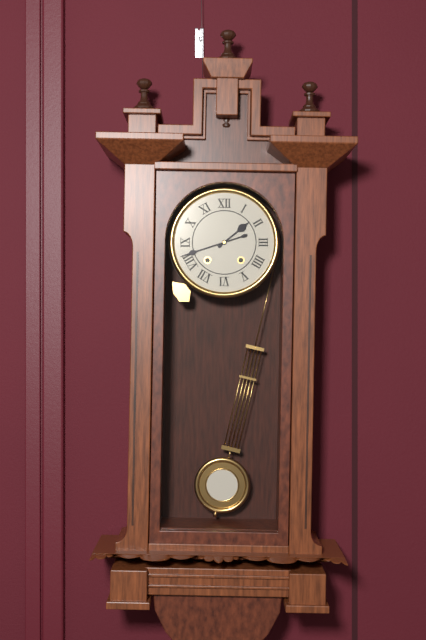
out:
1 h 42 min
